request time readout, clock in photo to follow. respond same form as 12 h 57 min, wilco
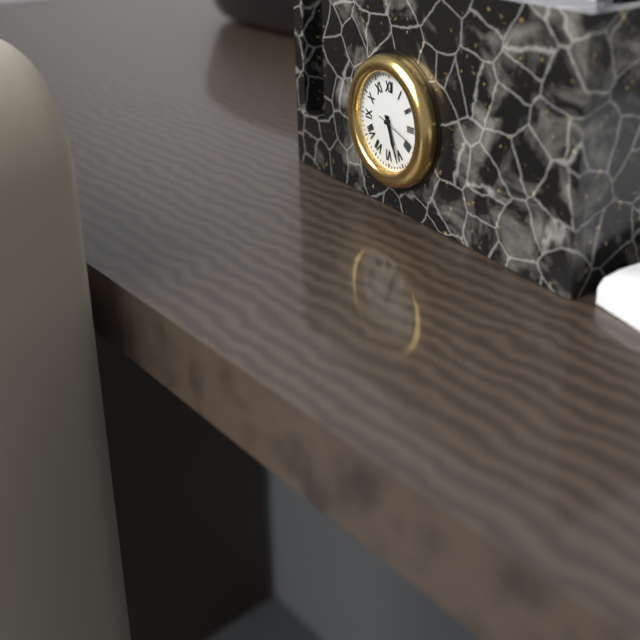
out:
5 h 26 min
